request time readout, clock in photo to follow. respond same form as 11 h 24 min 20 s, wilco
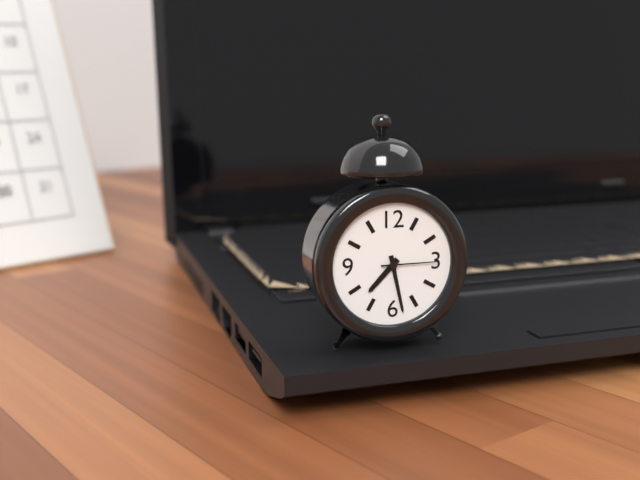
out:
7 h 28 min 15 s
